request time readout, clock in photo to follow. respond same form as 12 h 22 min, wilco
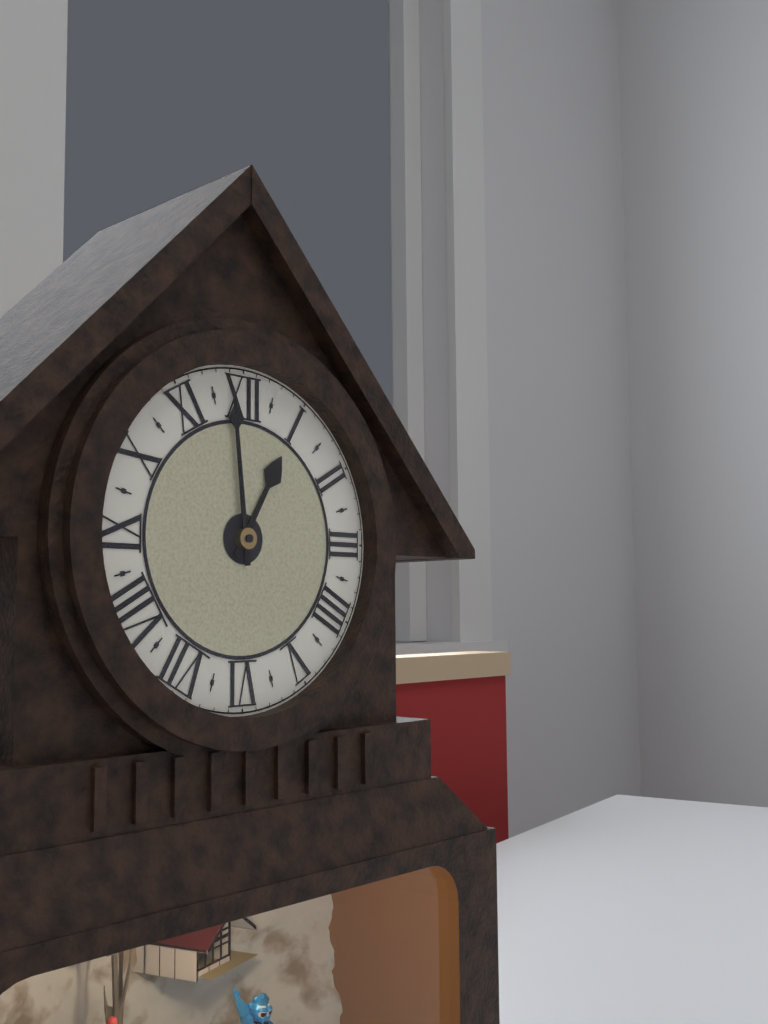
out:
12 h 59 min
